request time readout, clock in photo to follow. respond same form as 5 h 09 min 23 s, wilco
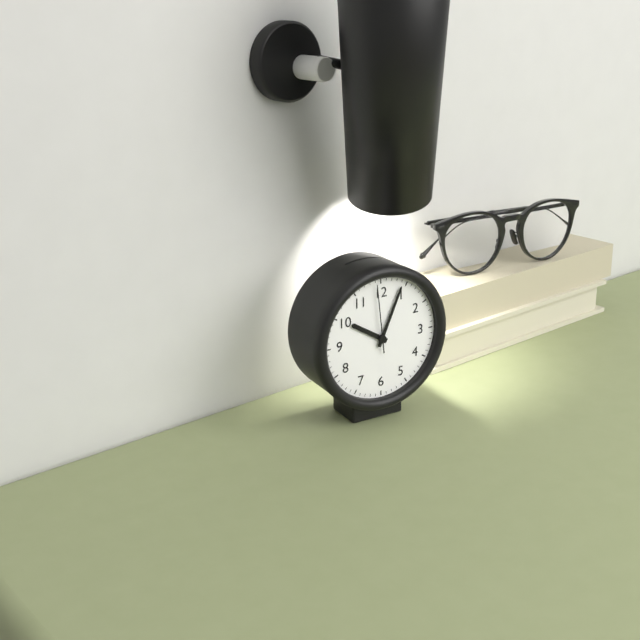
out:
10 h 04 min 59 s
